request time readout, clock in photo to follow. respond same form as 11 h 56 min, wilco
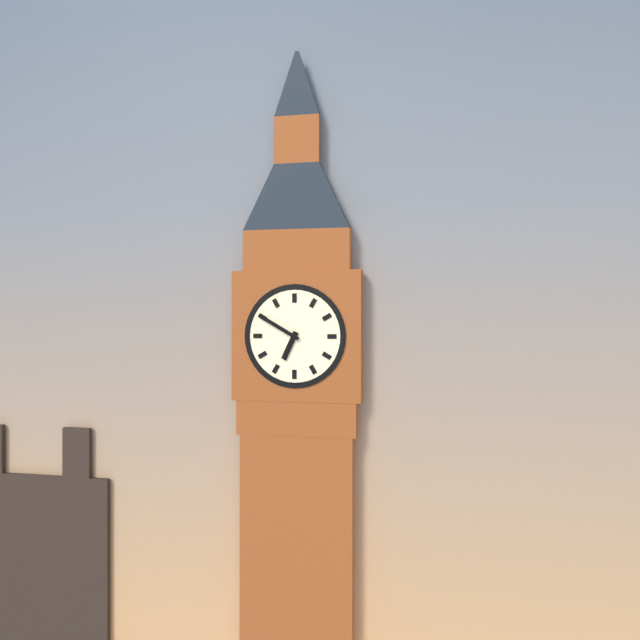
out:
6 h 50 min
